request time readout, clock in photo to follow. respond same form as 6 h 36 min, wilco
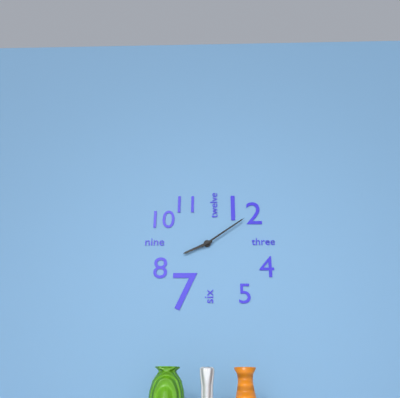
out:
8 h 09 min
